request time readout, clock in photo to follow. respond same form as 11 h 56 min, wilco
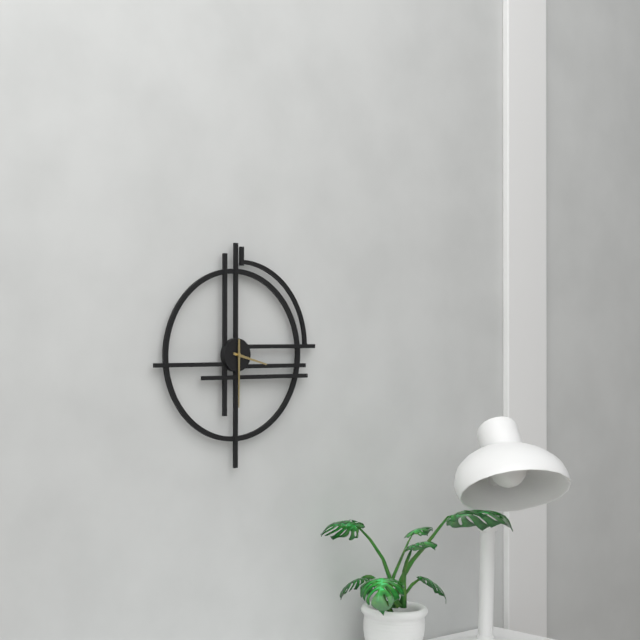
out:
3 h 30 min
